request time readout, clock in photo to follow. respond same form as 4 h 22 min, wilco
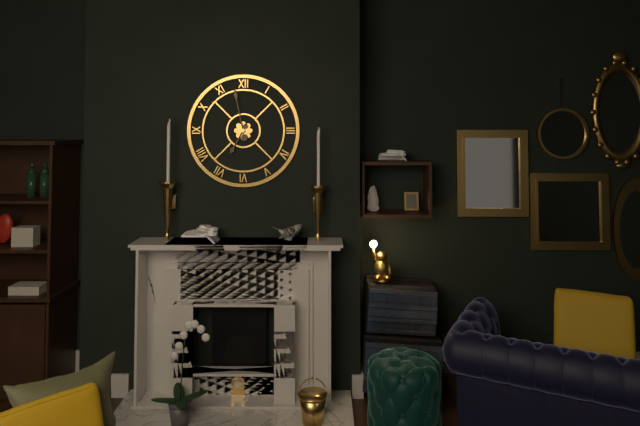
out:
6 h 58 min
